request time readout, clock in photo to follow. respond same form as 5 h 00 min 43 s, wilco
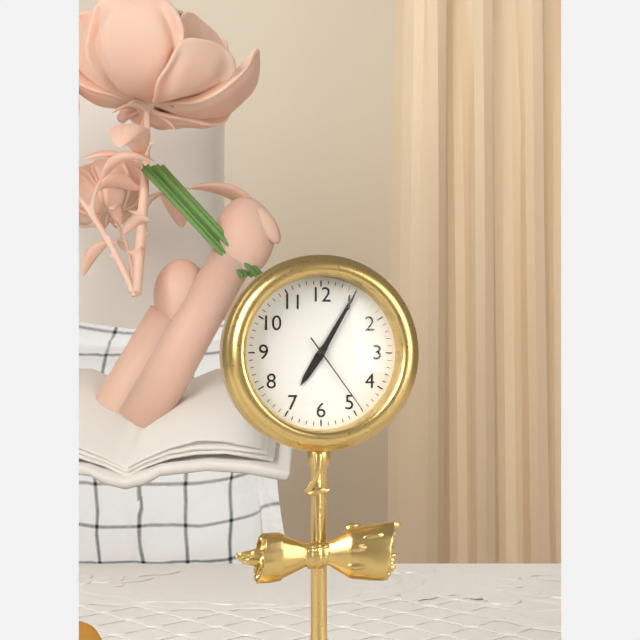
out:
7 h 05 min 24 s
